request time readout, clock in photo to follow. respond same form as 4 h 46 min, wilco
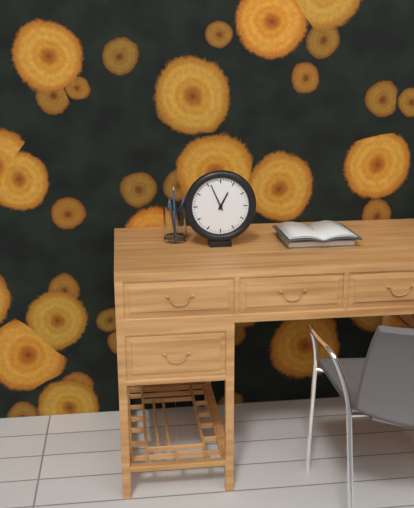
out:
12 h 56 min
